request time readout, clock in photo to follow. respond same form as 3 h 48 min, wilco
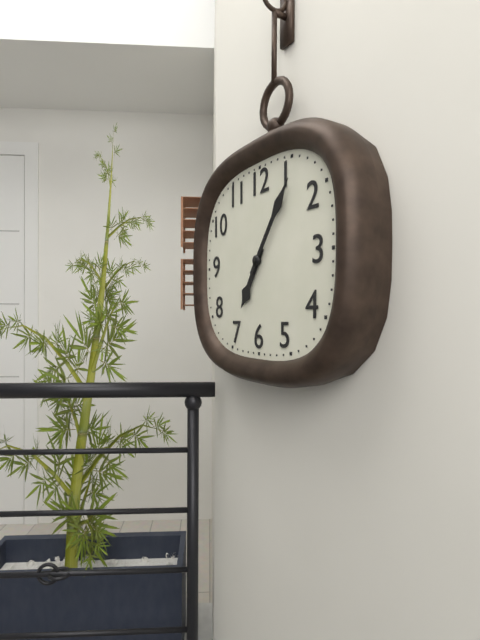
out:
7 h 06 min
